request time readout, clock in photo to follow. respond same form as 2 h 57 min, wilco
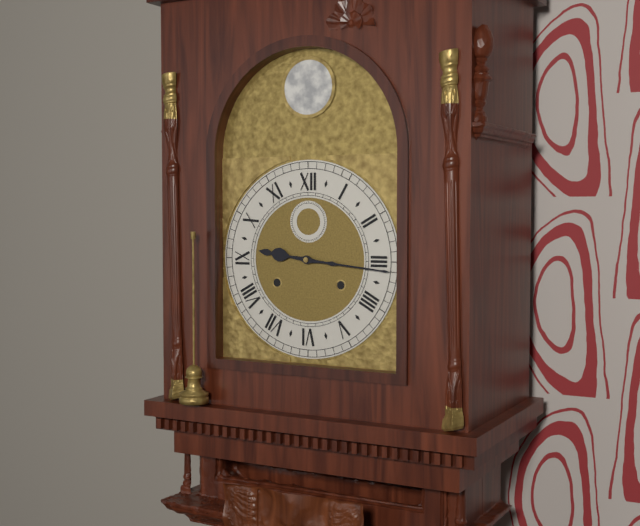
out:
9 h 16 min
